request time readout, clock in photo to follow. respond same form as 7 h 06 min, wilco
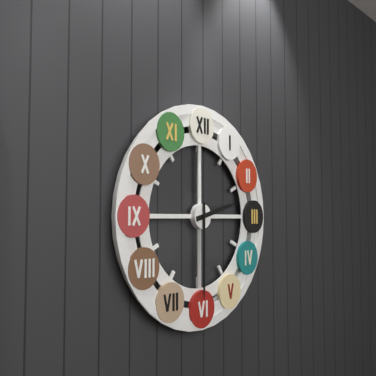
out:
2 h 30 min
